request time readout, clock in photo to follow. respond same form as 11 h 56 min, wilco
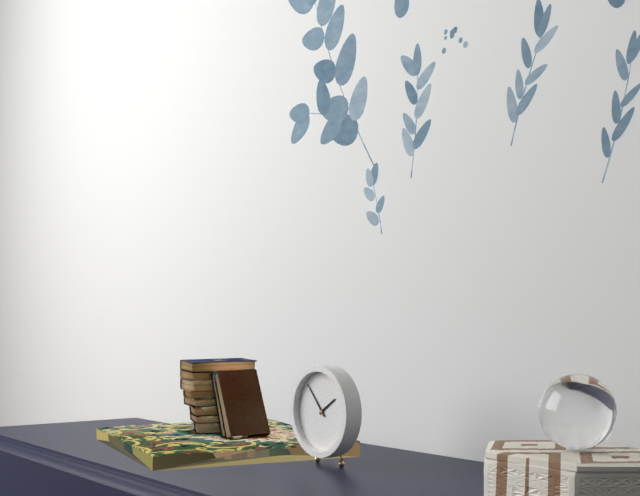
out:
1 h 53 min
